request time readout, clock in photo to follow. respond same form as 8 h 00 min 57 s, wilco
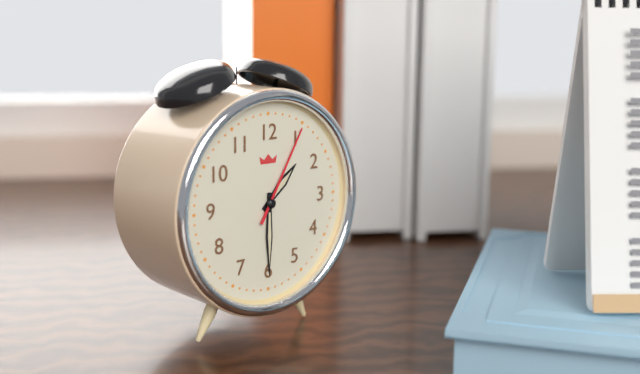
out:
1 h 30 min 05 s
